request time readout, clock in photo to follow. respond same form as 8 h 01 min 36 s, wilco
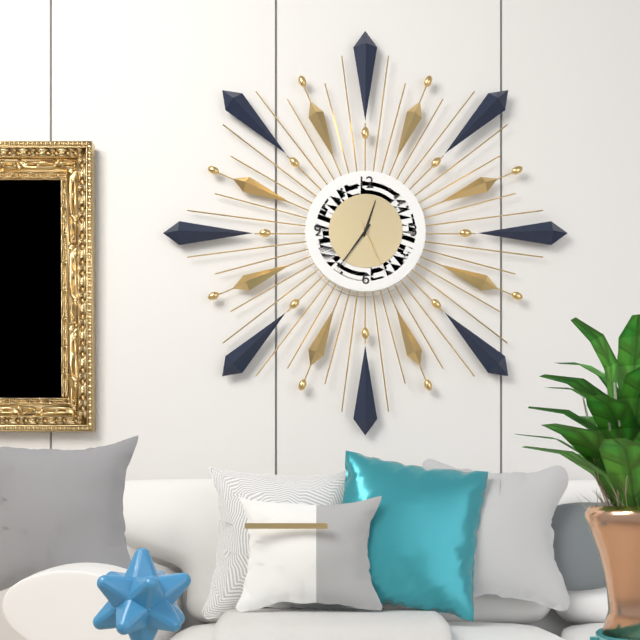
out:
12 h 36 min 26 s
